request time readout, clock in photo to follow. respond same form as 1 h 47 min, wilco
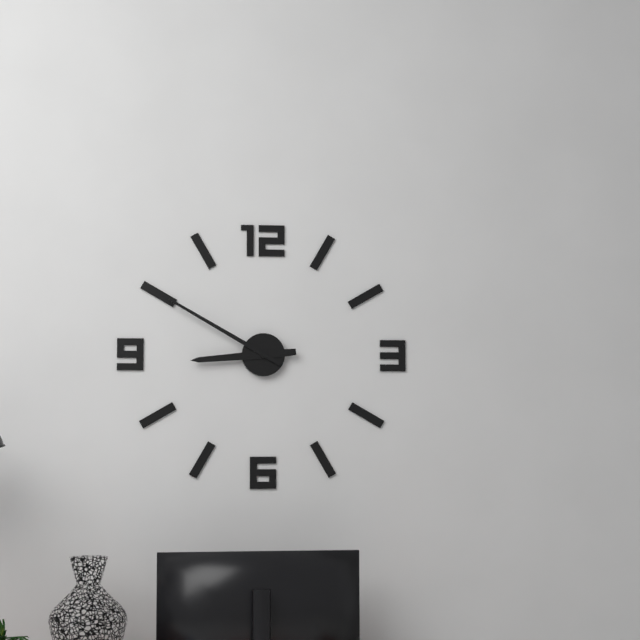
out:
8 h 50 min
